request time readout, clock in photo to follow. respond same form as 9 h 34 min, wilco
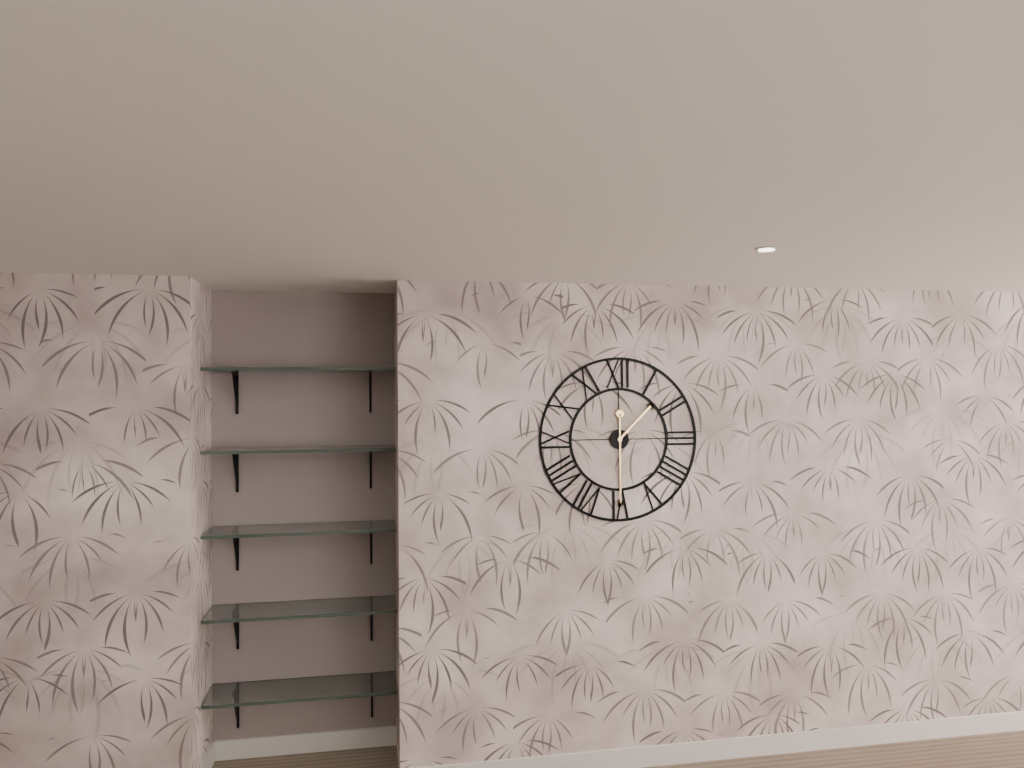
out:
1 h 30 min
